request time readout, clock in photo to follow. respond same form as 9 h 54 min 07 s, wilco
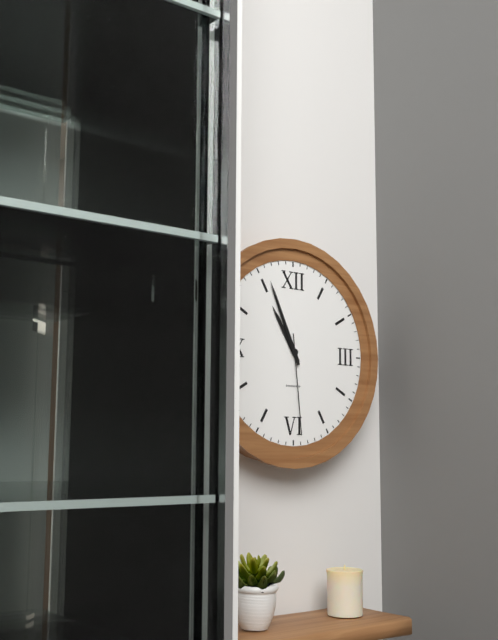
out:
10 h 56 min 29 s
